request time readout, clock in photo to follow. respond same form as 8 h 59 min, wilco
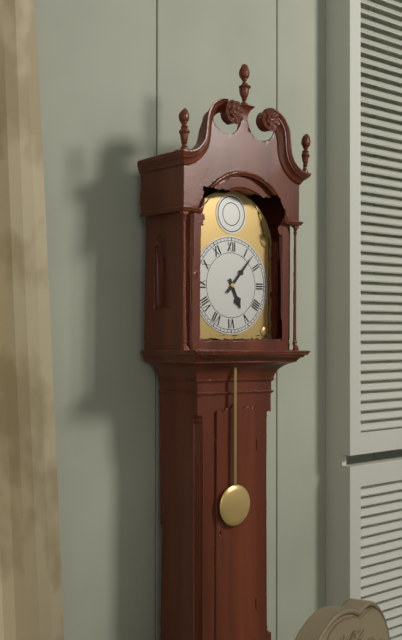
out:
5 h 07 min
